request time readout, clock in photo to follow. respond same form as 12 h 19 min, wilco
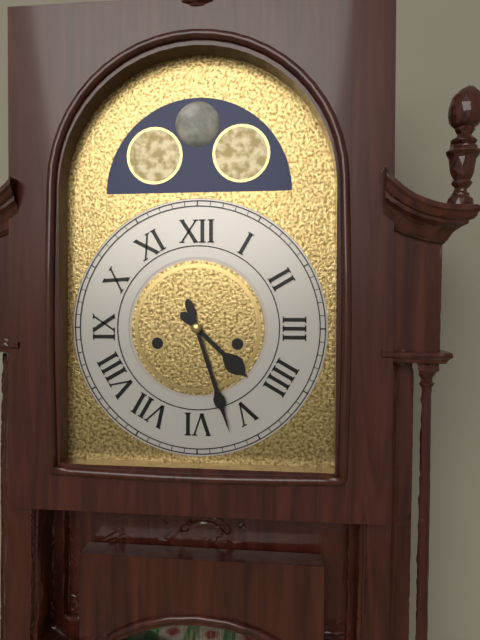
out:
4 h 27 min
